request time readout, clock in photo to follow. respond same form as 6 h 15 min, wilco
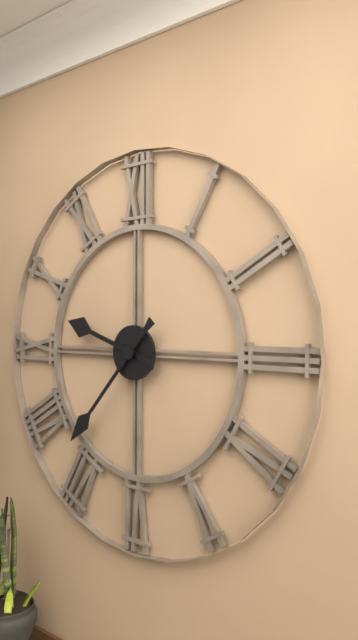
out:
9 h 37 min
